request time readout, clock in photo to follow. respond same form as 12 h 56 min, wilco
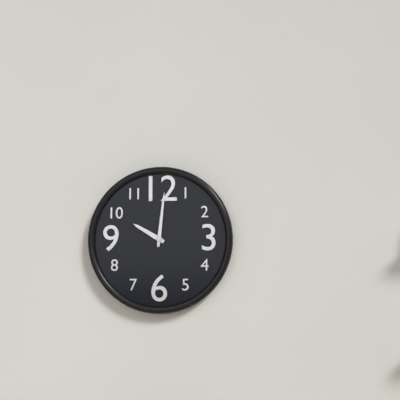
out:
10 h 01 min
